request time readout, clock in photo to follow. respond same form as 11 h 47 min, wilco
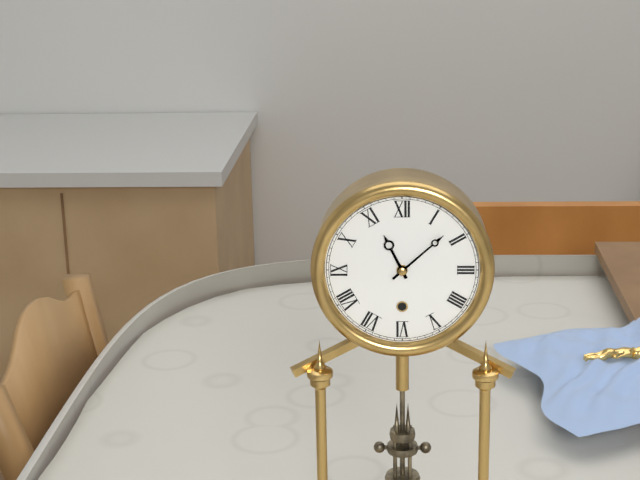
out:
11 h 08 min
